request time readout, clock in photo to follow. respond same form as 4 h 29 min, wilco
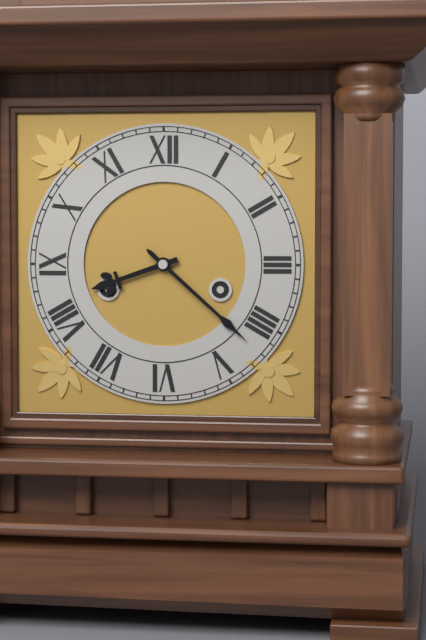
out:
8 h 22 min
